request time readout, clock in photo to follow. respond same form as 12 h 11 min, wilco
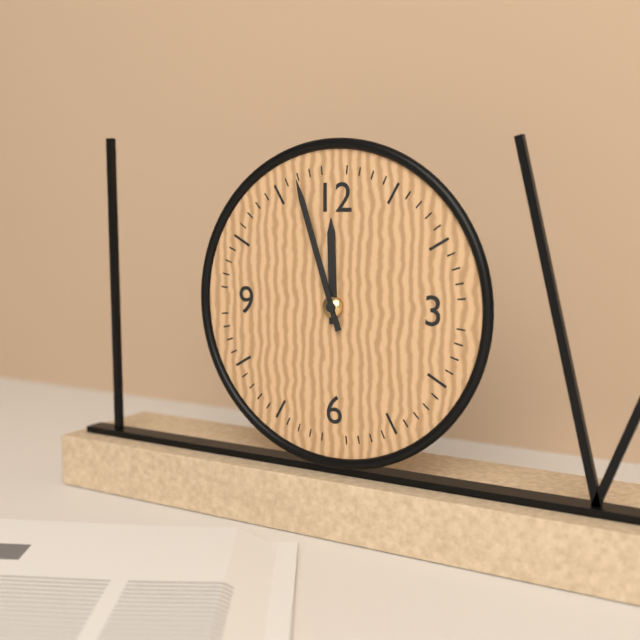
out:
11 h 57 min
